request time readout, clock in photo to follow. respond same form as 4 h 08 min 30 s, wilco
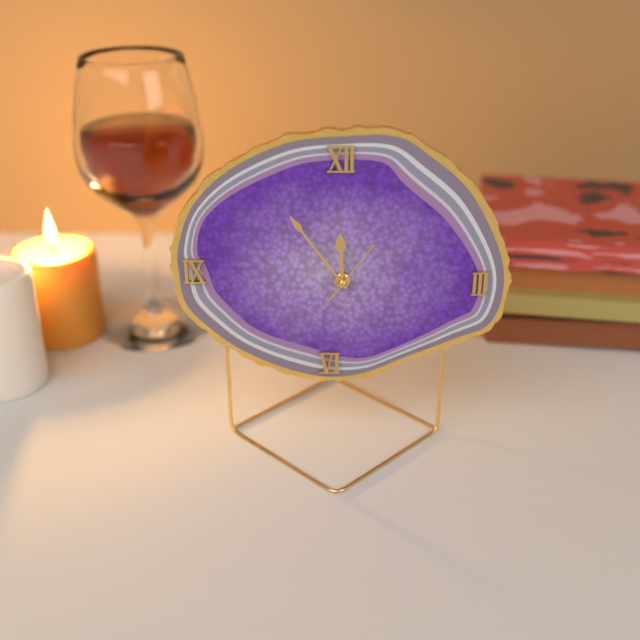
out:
11 h 54 min 06 s
